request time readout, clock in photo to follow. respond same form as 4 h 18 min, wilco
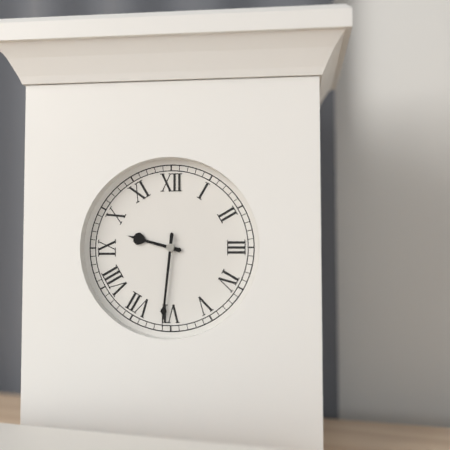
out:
9 h 31 min
